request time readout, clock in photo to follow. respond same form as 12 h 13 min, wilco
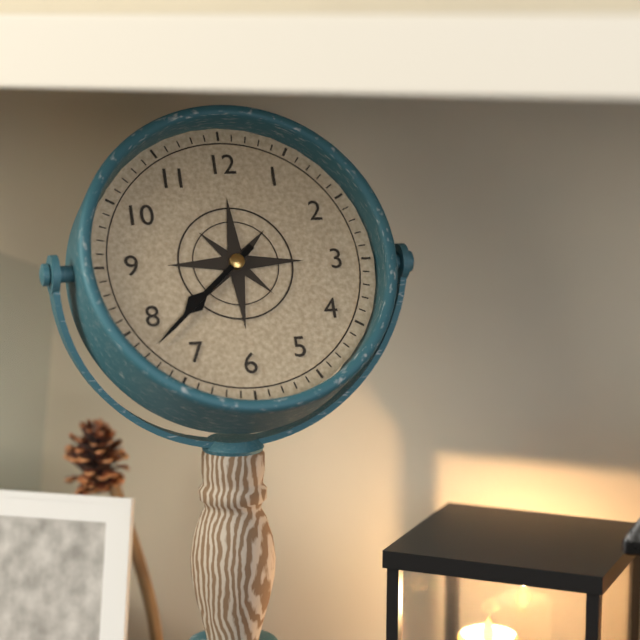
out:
7 h 38 min
